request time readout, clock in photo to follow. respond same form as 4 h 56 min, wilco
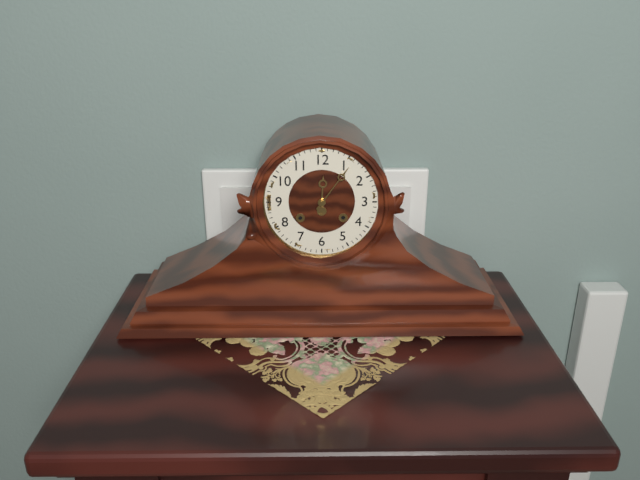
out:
12 h 06 min
